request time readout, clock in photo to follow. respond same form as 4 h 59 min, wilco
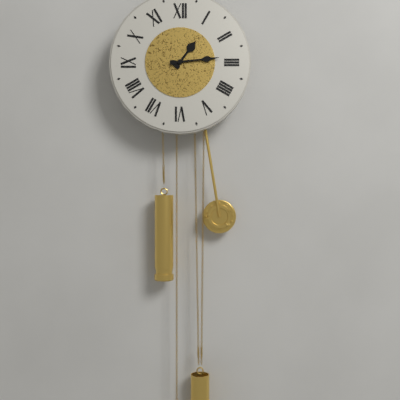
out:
1 h 14 min
